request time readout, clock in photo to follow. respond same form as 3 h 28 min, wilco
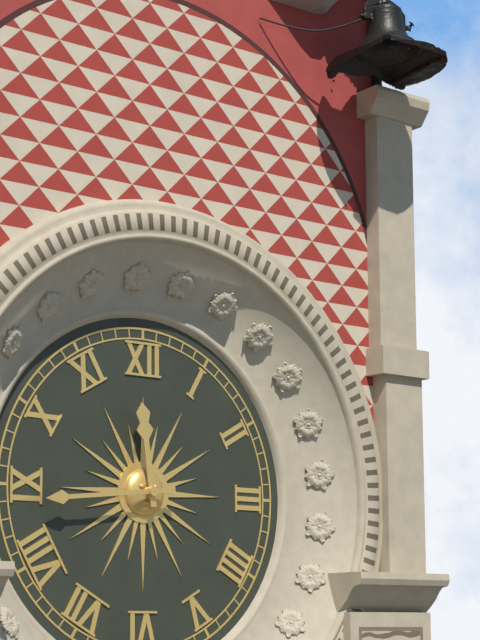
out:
11 h 44 min
